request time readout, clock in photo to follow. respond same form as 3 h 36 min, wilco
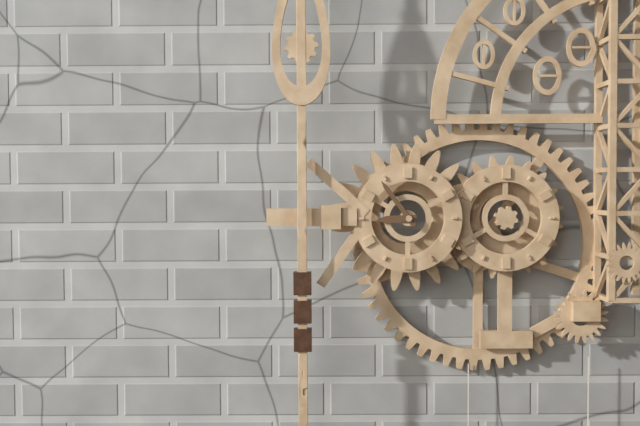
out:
8 h 54 min
